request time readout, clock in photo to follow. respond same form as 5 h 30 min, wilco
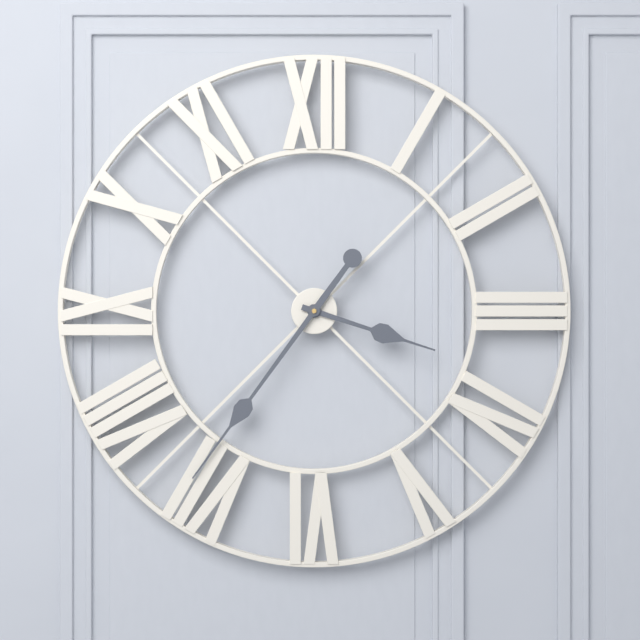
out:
3 h 36 min
